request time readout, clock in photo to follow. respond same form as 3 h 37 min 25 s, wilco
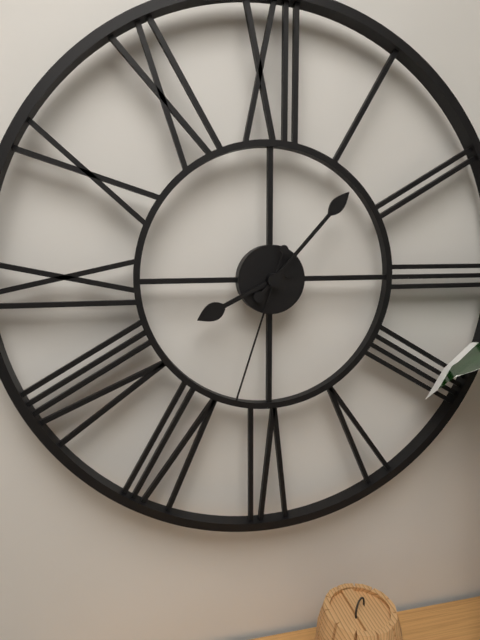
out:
8 h 07 min 33 s
